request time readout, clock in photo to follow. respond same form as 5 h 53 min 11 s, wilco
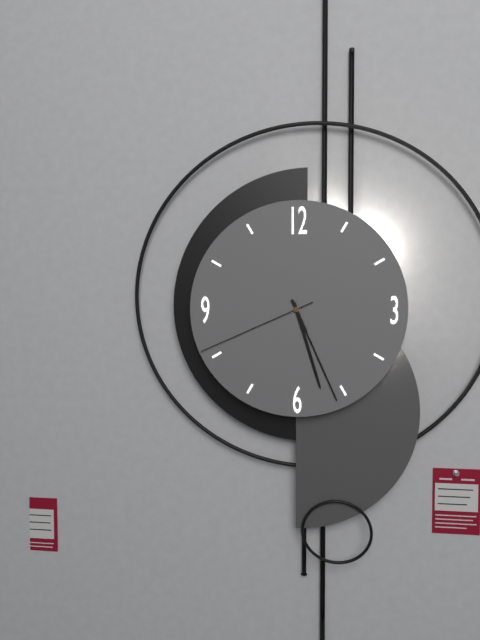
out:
5 h 26 min 41 s
